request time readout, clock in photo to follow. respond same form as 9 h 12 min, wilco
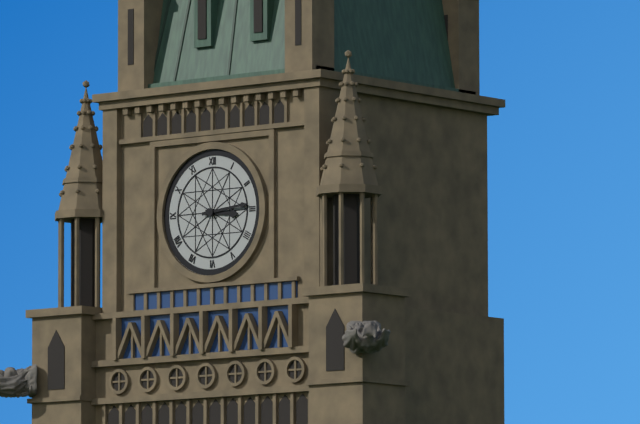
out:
3 h 14 min
